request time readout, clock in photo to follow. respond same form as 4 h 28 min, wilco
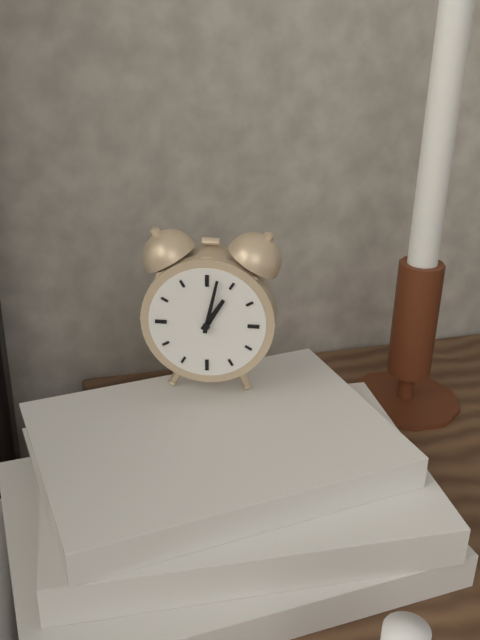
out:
1 h 02 min
